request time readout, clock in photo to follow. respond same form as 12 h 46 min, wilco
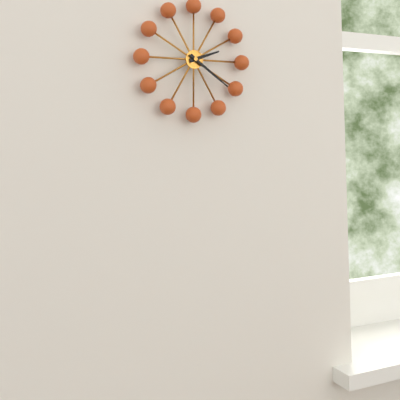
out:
2 h 21 min
